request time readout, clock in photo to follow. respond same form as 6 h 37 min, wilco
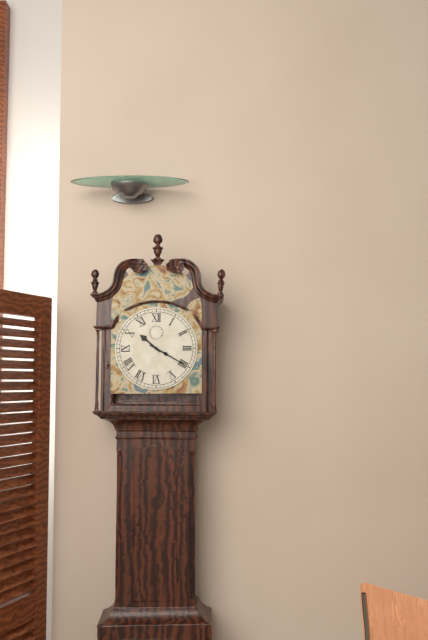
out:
10 h 20 min
